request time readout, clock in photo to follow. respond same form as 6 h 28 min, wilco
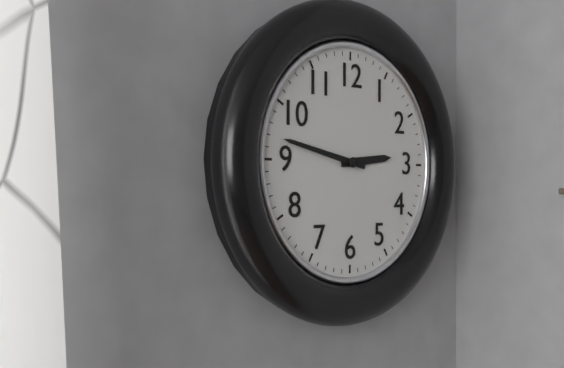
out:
2 h 47 min
